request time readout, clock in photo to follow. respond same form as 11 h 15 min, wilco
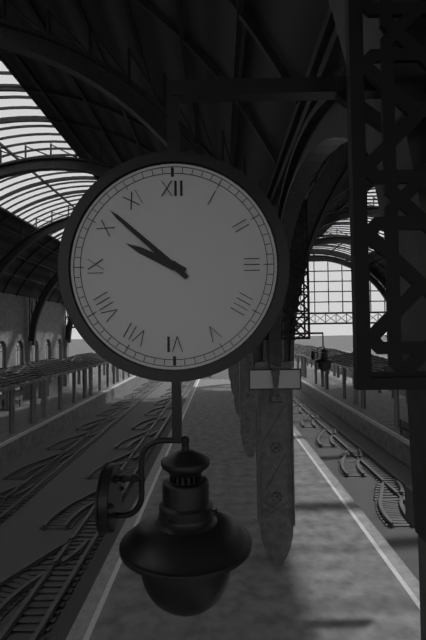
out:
9 h 52 min
